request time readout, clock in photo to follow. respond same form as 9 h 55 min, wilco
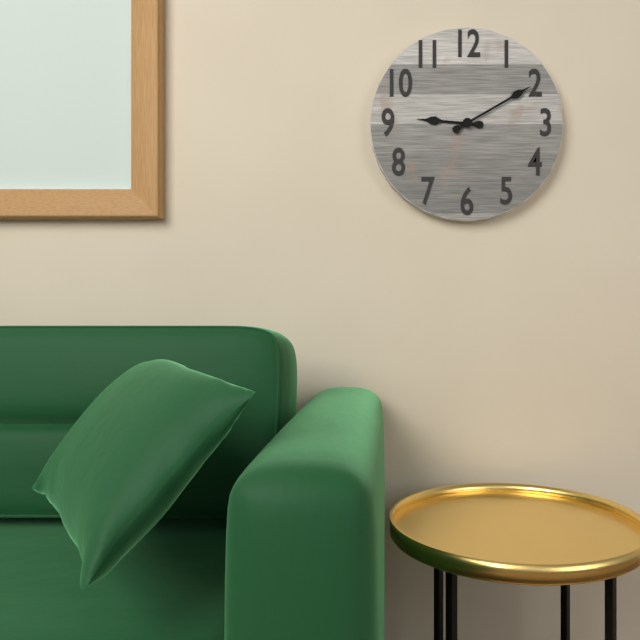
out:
9 h 10 min
